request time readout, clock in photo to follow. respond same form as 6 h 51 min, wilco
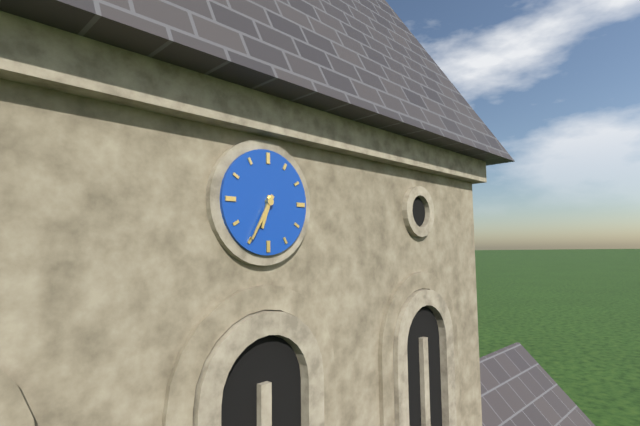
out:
6 h 35 min
